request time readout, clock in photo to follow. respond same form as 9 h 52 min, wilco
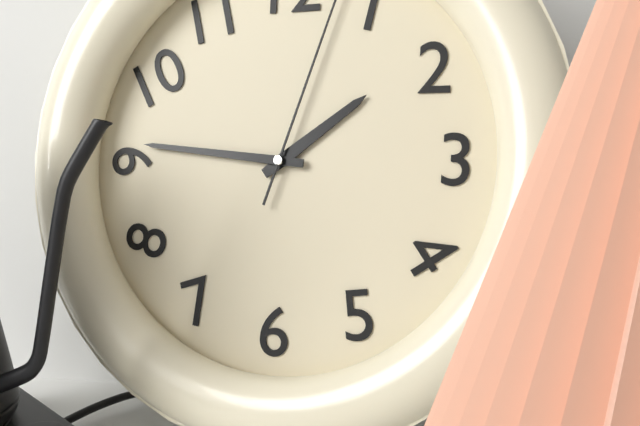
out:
1 h 46 min
